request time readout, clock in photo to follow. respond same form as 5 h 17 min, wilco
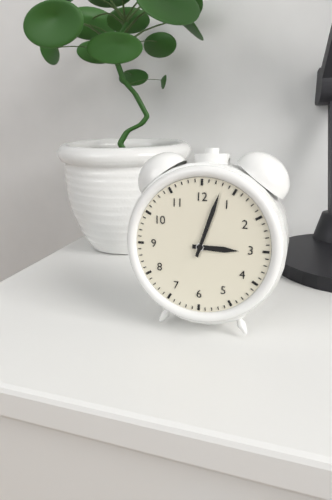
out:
3 h 03 min
